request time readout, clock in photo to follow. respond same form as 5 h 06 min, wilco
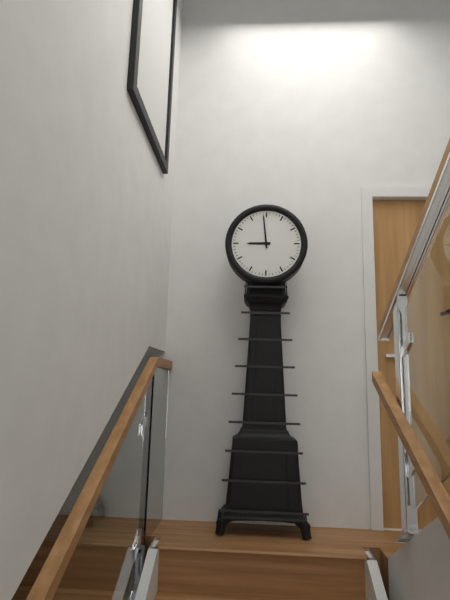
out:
8 h 59 min
